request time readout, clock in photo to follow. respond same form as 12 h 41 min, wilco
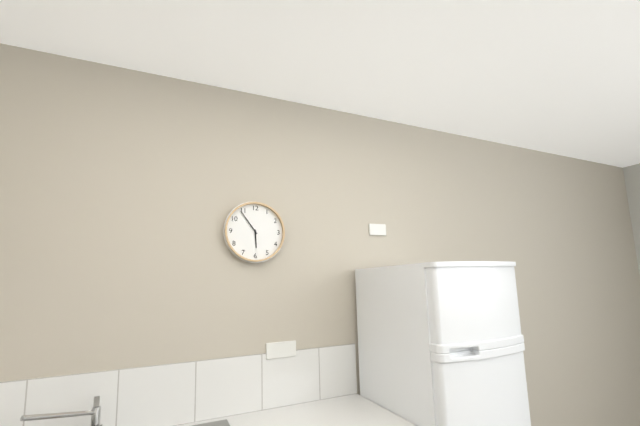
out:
5 h 54 min
